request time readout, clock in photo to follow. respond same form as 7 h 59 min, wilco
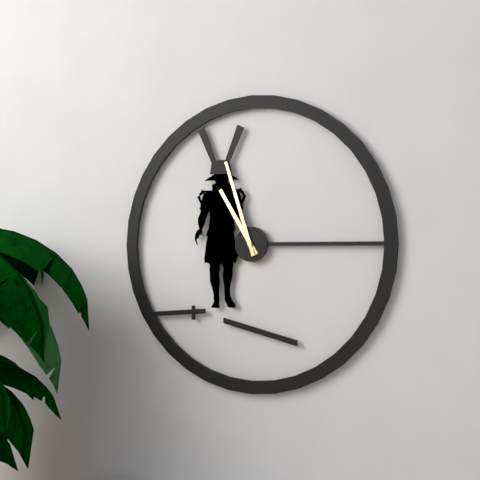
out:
10 h 57 min
